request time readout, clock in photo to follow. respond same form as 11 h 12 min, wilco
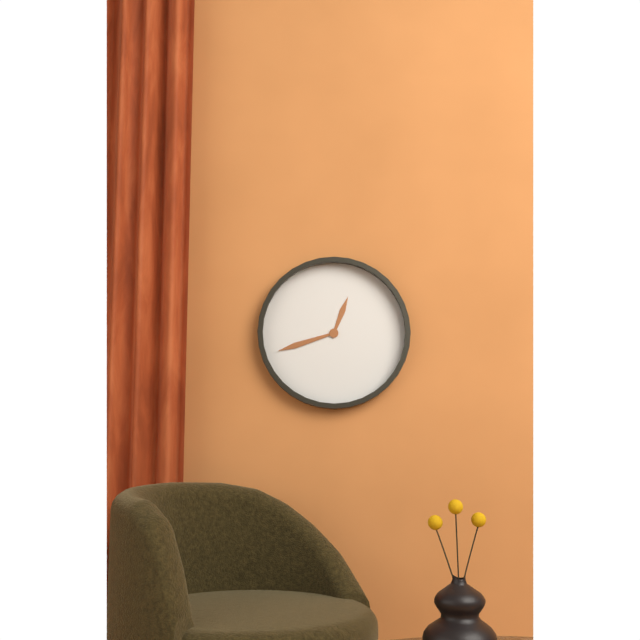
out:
12 h 42 min
